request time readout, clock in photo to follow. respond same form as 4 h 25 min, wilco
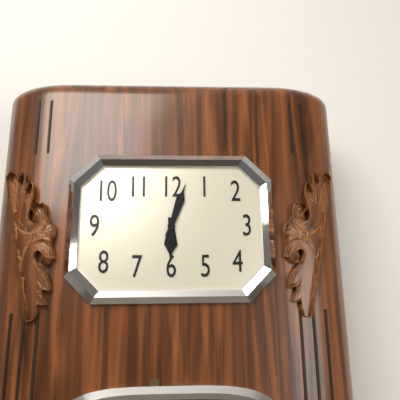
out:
6 h 03 min
